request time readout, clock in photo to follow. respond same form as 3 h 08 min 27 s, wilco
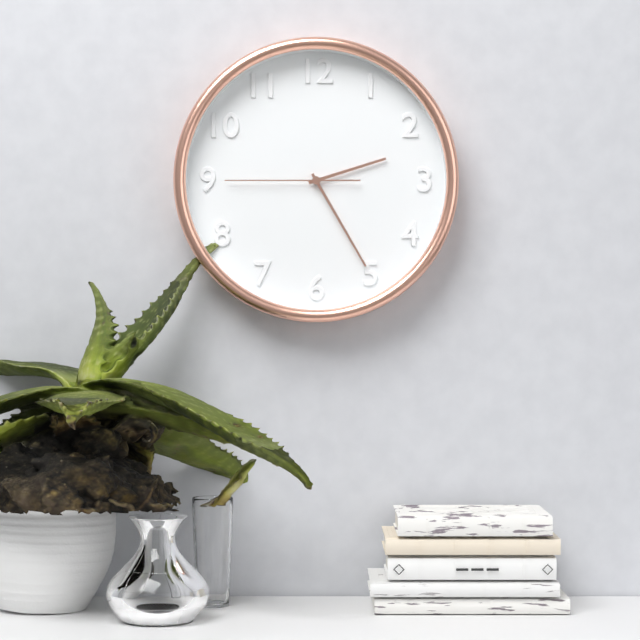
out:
2 h 25 min 45 s
